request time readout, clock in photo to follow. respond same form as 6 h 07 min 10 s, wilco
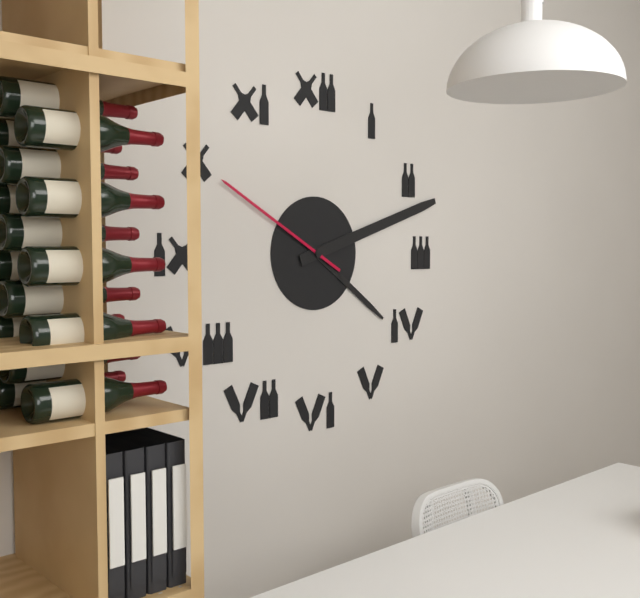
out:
4 h 12 min 50 s
